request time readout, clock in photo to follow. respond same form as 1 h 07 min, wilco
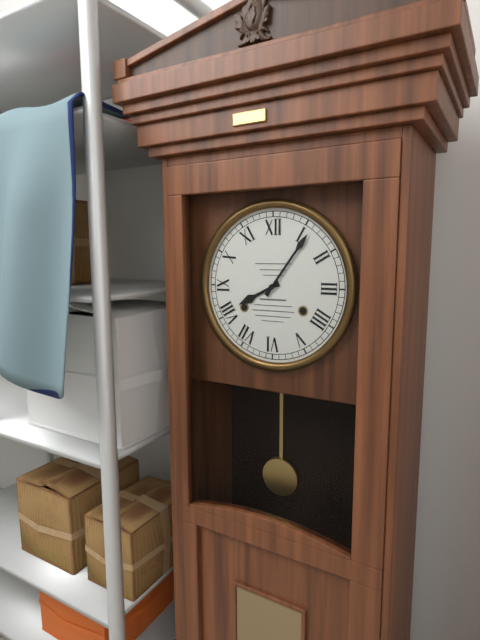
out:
8 h 06 min
